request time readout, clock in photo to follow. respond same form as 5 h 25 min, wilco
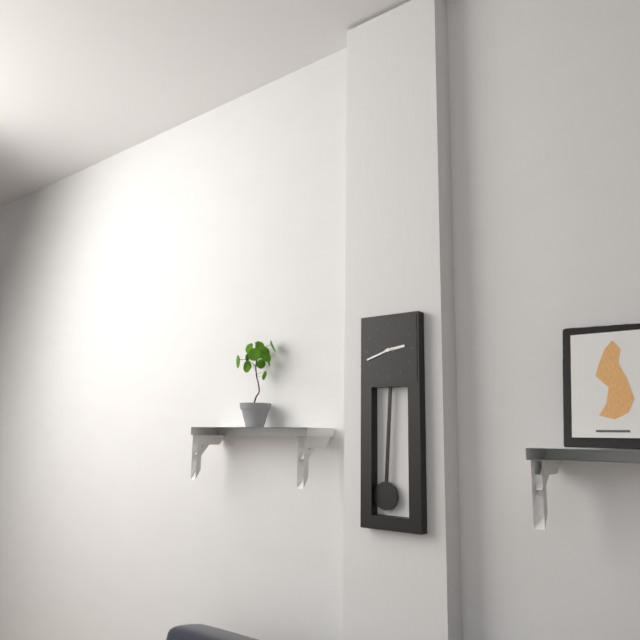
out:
2 h 42 min
